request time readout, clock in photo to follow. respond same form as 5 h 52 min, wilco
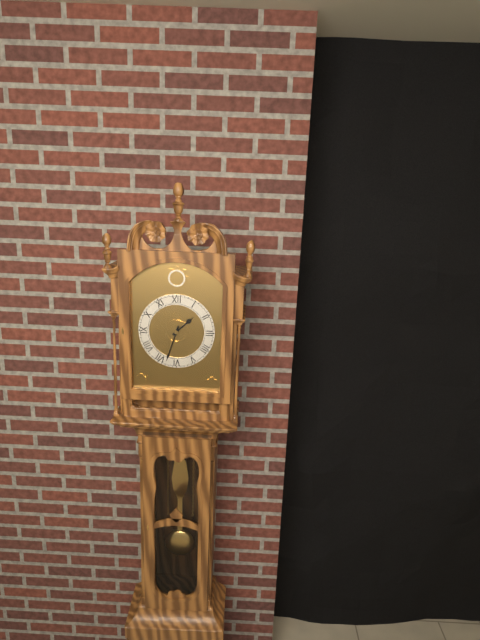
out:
1 h 33 min
